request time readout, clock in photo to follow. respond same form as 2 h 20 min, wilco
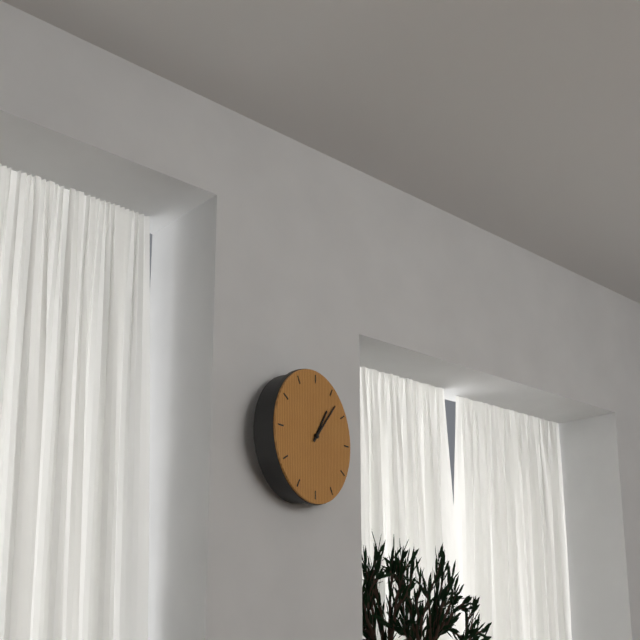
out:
1 h 07 min
